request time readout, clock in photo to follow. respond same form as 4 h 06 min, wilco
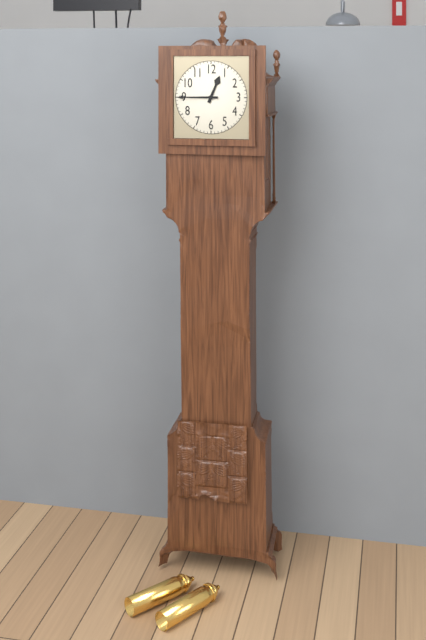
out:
12 h 45 min
